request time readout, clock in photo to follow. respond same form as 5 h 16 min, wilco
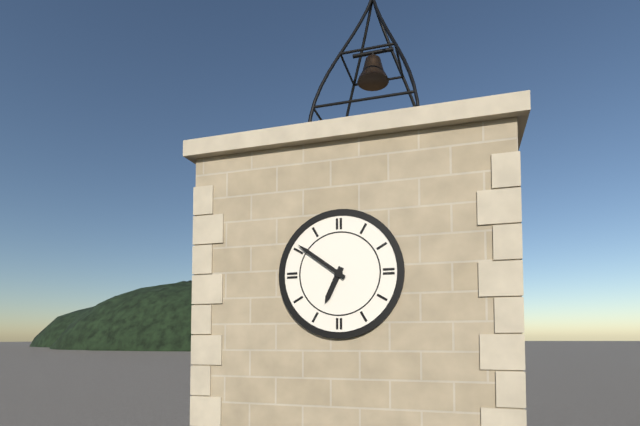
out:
6 h 51 min
